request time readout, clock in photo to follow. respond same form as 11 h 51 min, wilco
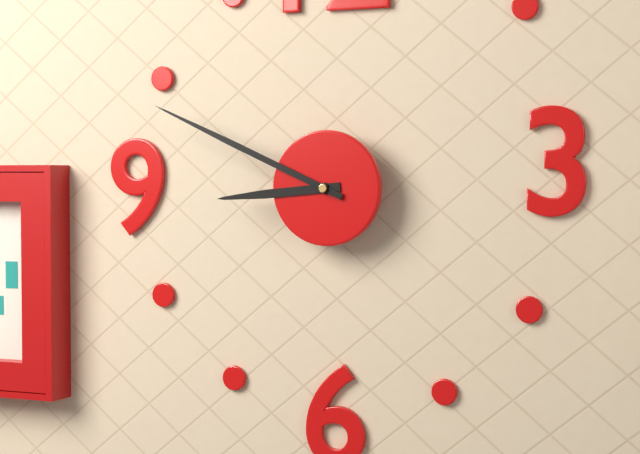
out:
8 h 49 min
